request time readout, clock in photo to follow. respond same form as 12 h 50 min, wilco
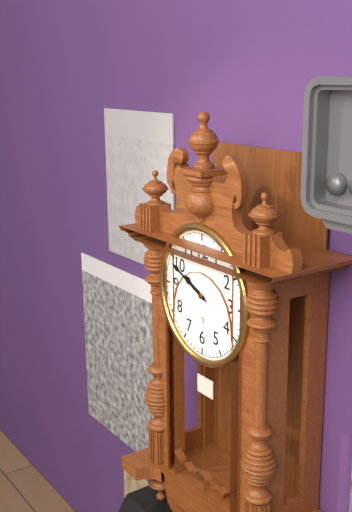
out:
9 h 49 min
